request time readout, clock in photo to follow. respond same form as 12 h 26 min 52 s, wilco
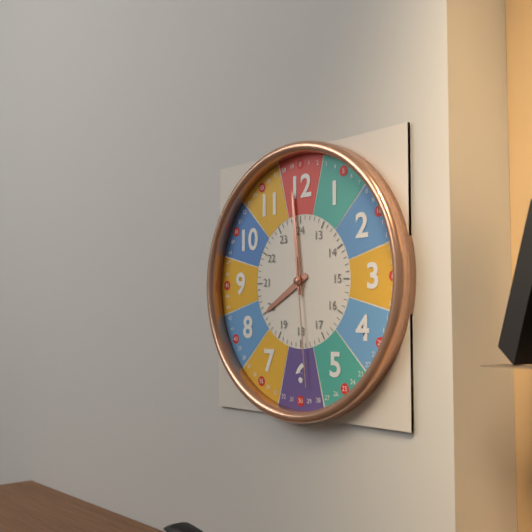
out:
7 h 59 min 29 s
